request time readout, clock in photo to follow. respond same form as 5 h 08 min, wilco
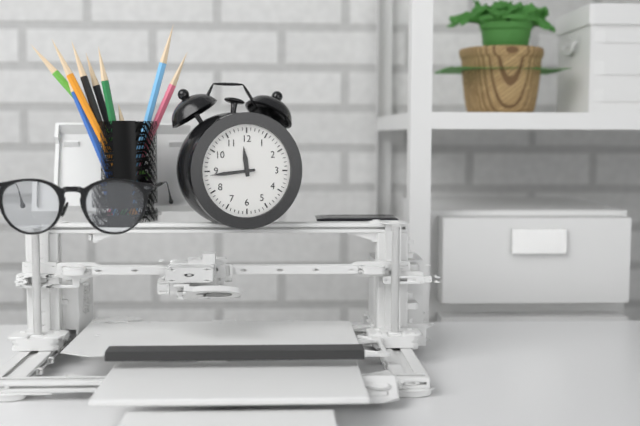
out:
11 h 44 min
